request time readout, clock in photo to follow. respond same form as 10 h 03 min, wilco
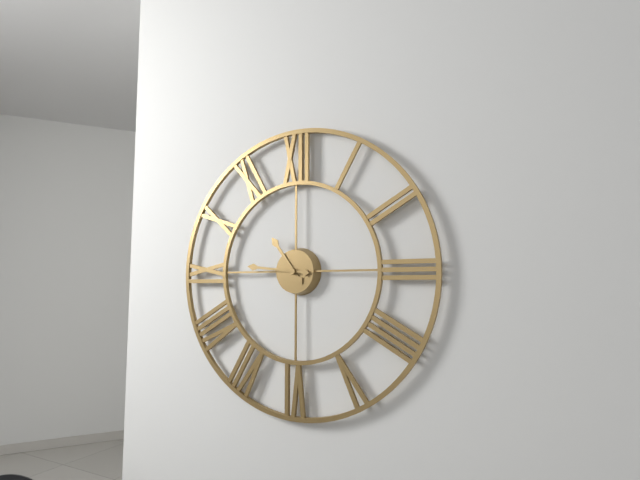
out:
10 h 46 min
